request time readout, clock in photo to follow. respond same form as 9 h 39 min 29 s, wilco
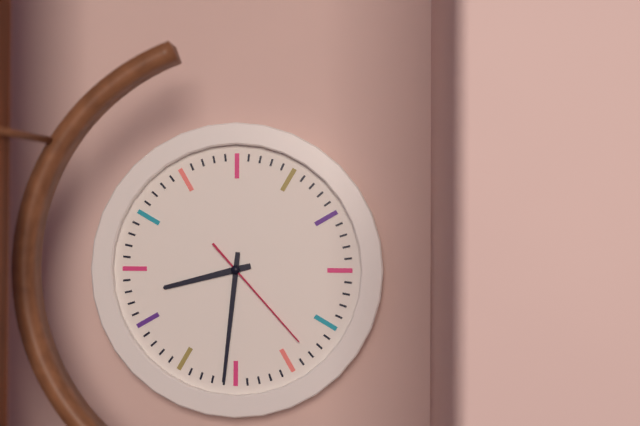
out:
8 h 31 min 23 s
